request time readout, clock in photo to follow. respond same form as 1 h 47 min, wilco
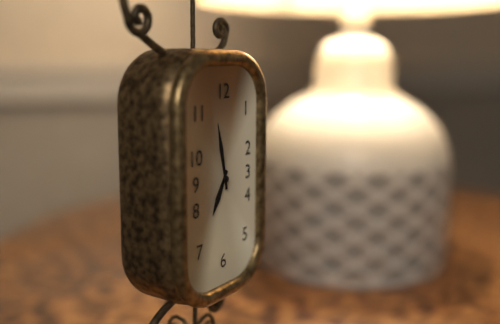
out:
6 h 58 min
